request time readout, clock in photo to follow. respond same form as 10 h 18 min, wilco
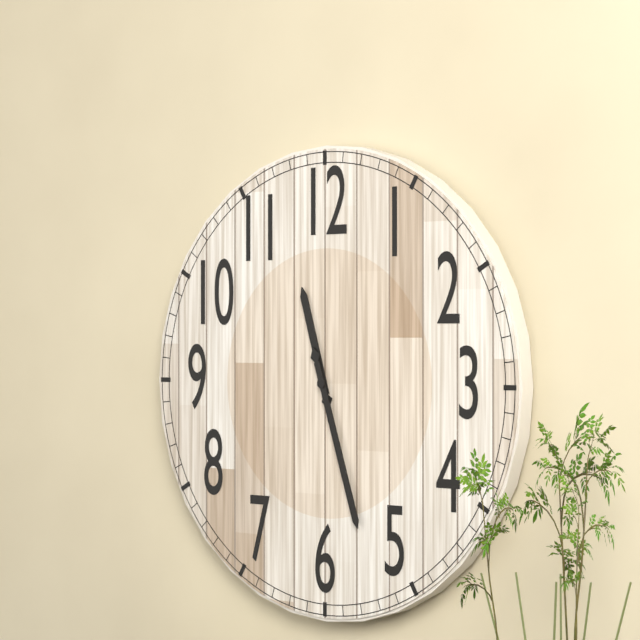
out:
11 h 27 min
